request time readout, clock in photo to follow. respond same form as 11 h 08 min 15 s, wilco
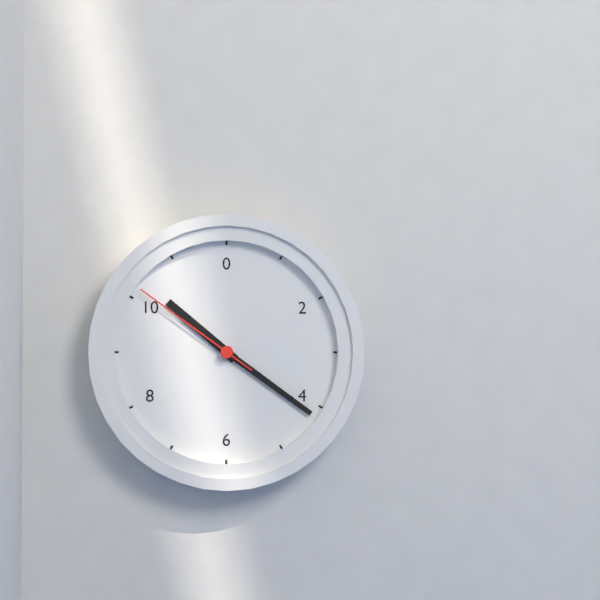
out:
10 h 21 min 51 s
